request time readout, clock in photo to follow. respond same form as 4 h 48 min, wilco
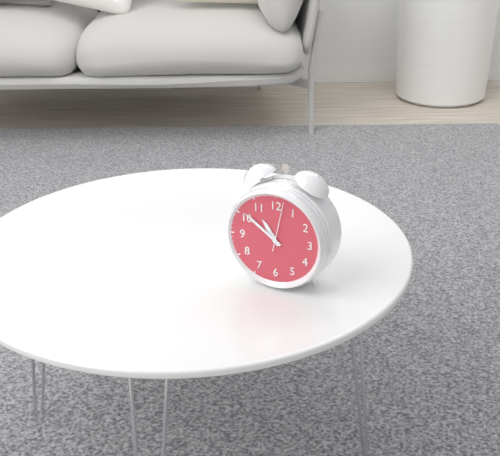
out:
10 h 51 min
